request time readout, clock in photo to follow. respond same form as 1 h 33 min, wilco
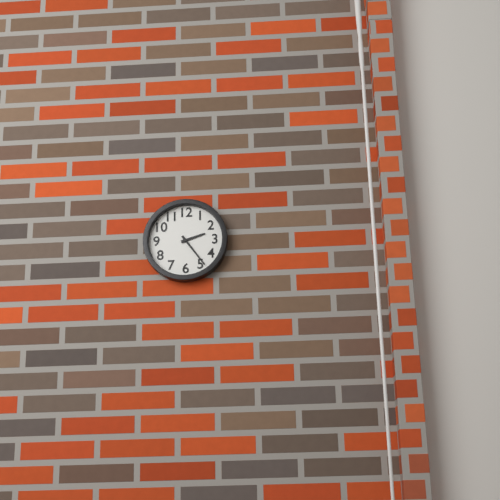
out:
2 h 24 min
